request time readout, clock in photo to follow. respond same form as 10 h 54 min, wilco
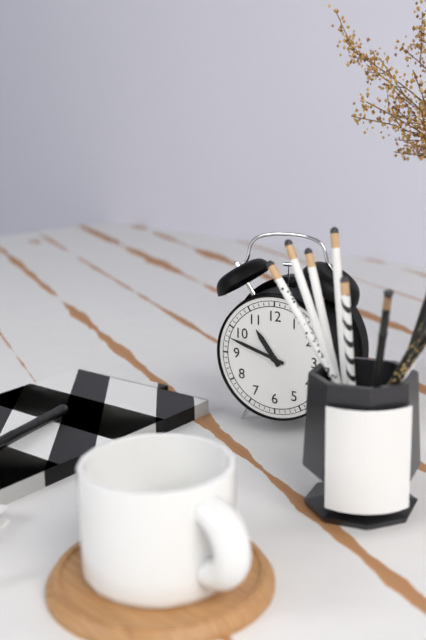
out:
10 h 48 min
